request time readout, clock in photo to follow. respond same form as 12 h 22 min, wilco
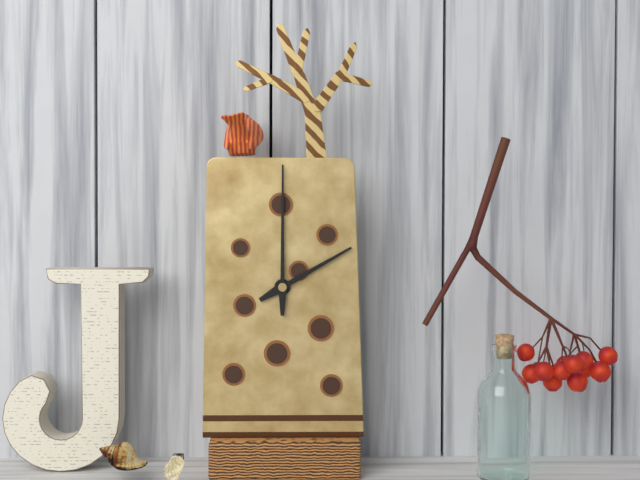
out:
2 h 00 min
